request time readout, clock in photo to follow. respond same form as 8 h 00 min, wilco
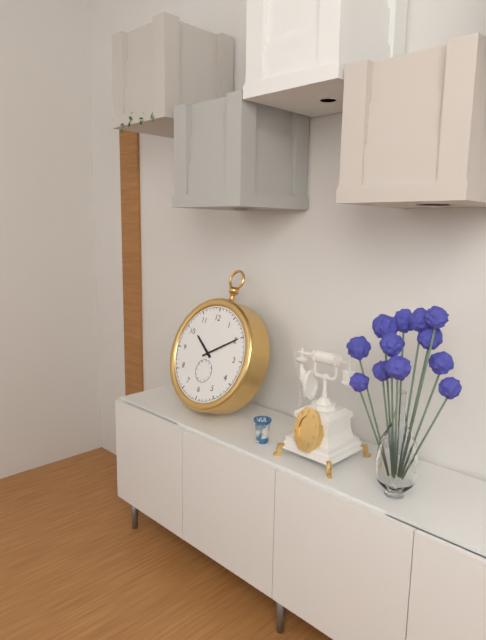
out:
10 h 10 min
